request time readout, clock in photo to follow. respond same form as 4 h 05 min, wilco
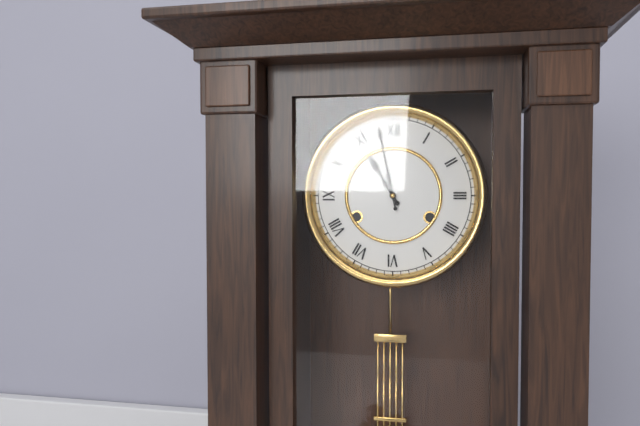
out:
10 h 58 min
